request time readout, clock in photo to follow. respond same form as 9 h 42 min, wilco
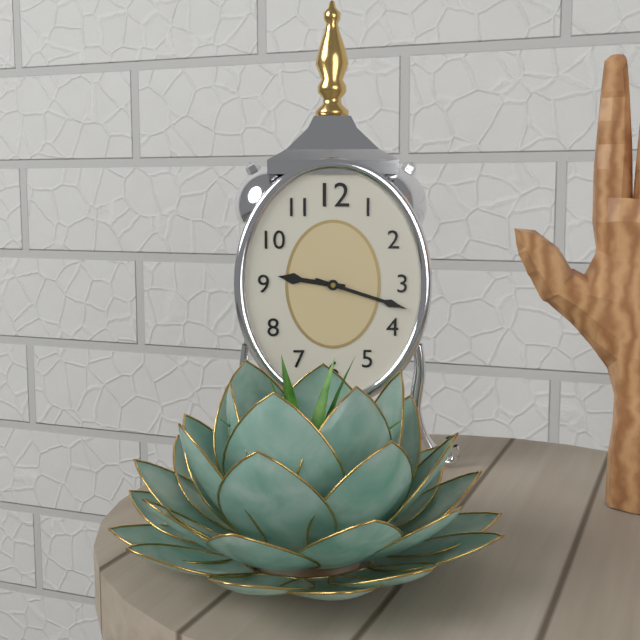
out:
9 h 18 min
